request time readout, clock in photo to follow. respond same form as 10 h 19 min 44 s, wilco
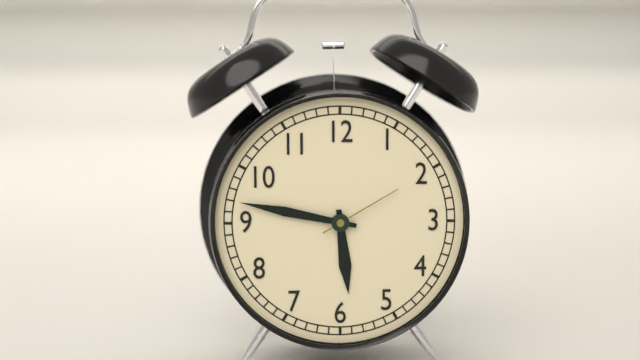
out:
5 h 47 min 10 s
